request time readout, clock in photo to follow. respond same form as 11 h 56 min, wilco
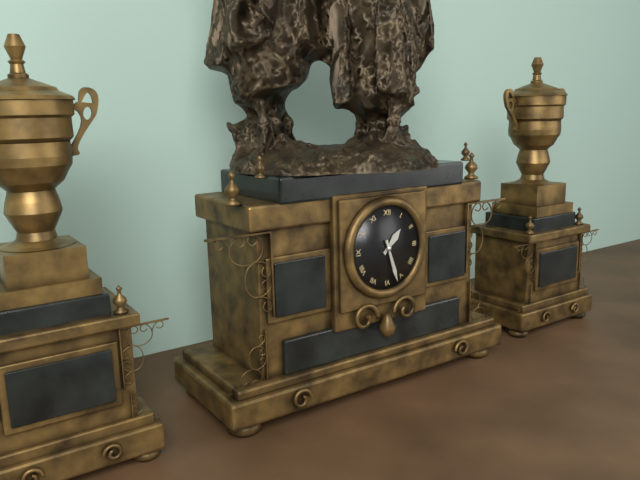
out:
1 h 27 min
